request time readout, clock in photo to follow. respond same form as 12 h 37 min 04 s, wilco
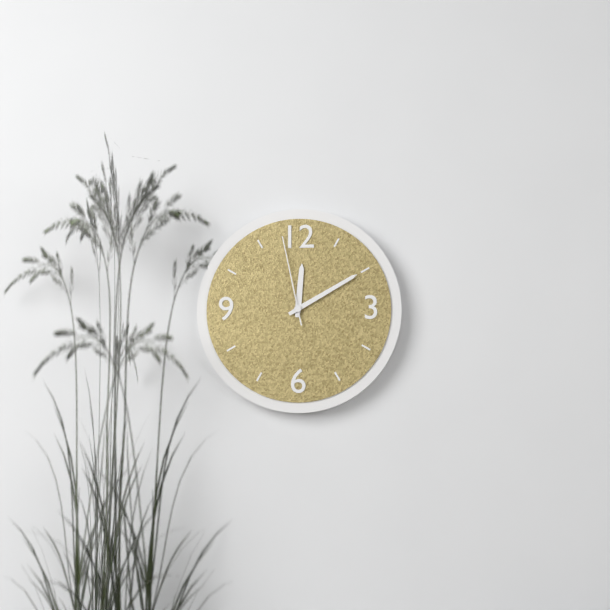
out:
12 h 10 min 58 s
